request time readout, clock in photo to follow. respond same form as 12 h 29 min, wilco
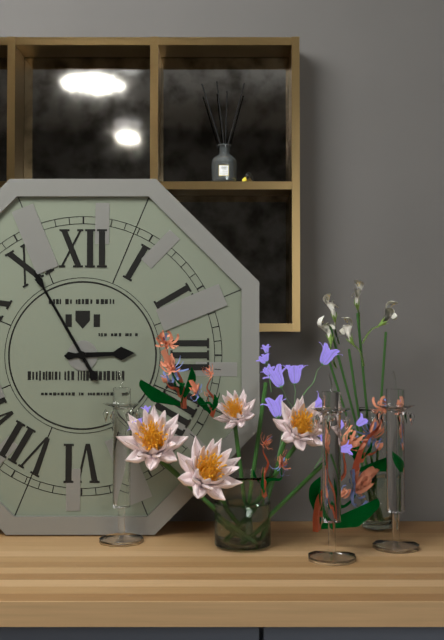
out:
2 h 55 min
